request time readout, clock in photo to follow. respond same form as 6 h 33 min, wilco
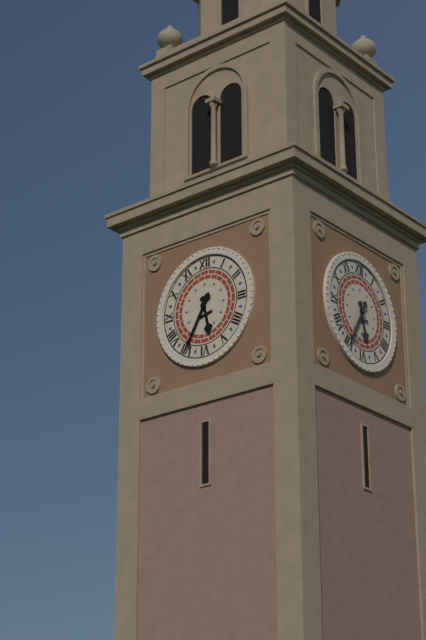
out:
5 h 35 min
